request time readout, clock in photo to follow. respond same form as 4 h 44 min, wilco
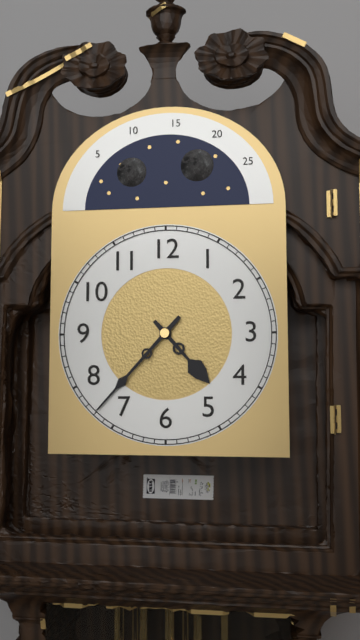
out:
4 h 37 min
